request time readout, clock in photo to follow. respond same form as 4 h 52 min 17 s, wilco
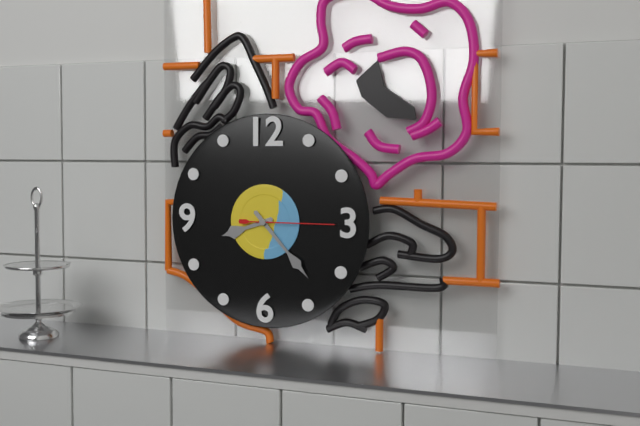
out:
8 h 23 min 15 s
